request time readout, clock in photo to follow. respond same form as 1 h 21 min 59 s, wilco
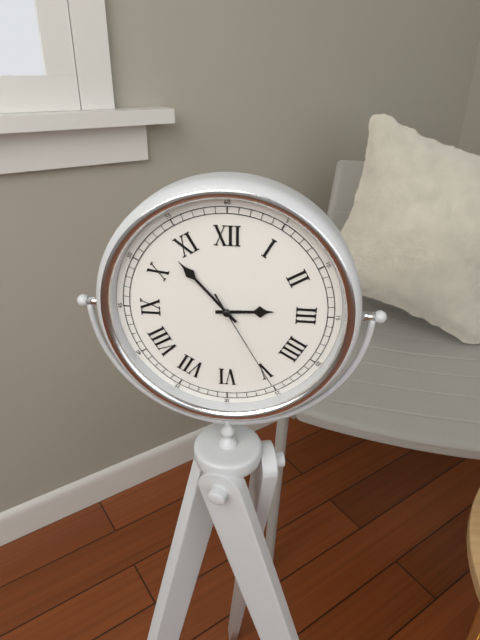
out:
2 h 53 min 25 s
